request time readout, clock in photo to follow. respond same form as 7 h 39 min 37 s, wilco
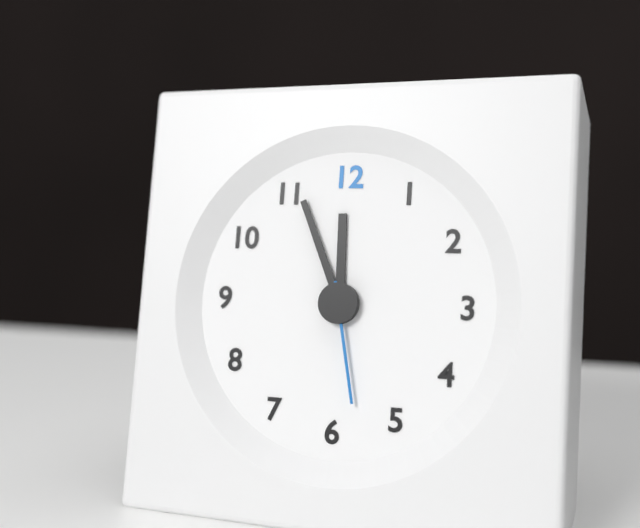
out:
11 h 56 min 28 s
